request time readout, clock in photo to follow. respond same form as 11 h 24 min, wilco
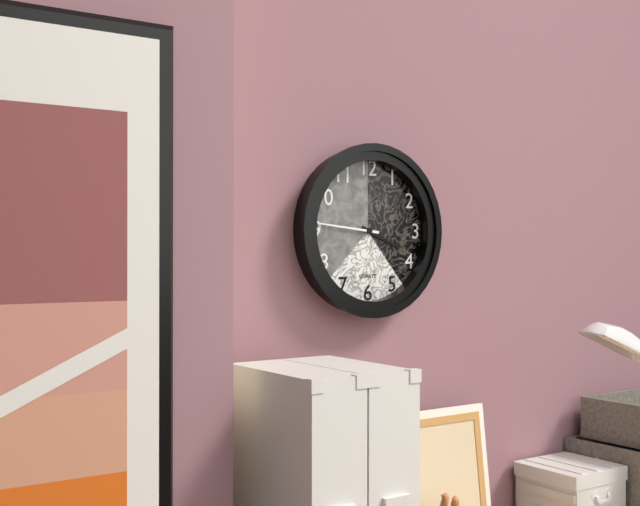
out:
3 h 46 min
